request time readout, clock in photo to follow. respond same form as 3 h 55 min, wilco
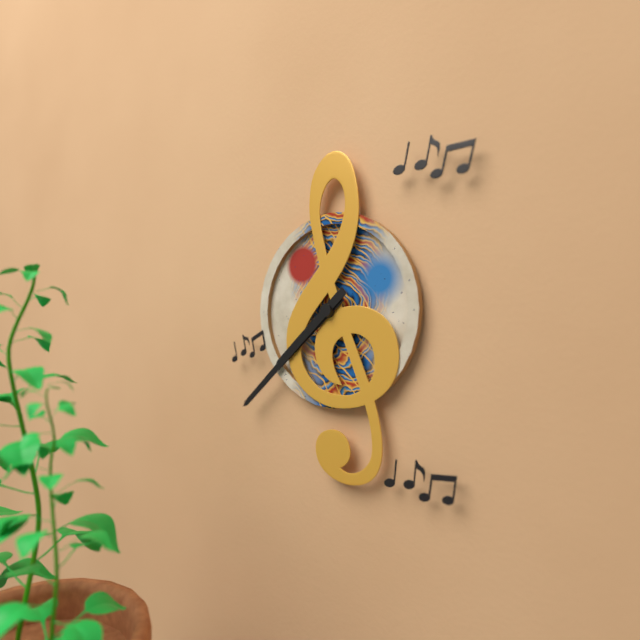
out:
7 h 38 min
